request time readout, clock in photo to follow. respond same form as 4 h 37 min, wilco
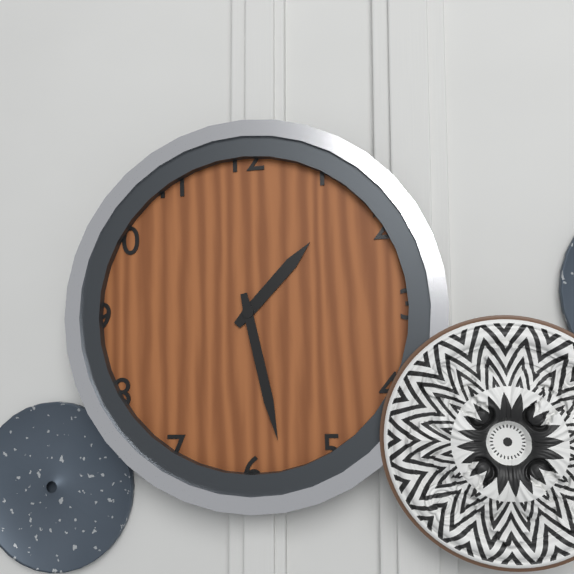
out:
1 h 28 min
